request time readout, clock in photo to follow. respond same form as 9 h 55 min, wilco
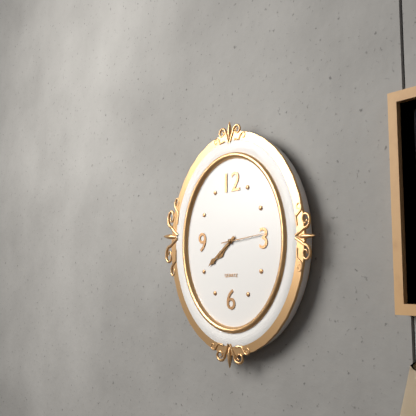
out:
7 h 39 min
